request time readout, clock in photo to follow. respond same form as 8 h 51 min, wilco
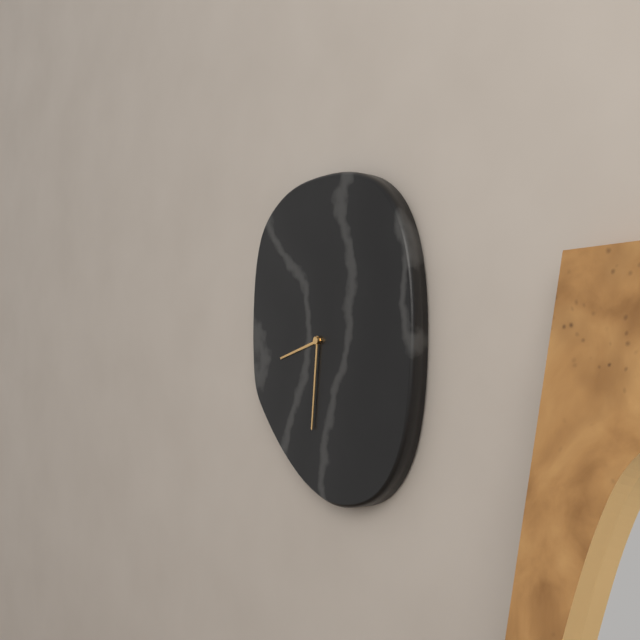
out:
8 h 31 min
